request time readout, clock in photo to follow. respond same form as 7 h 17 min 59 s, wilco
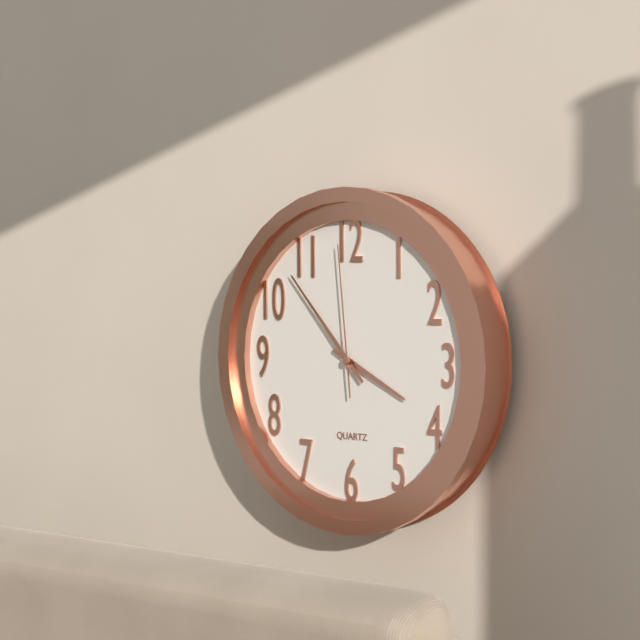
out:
3 h 53 min 59 s
